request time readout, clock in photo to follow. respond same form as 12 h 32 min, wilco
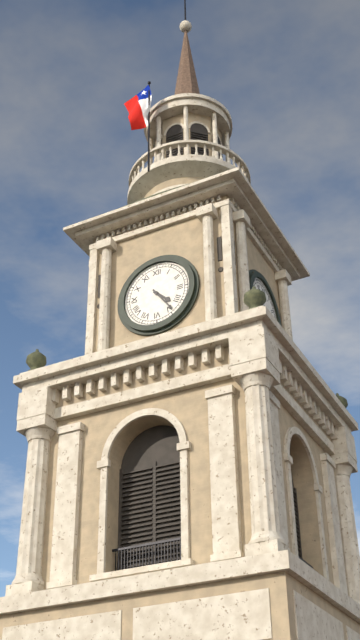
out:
4 h 24 min
